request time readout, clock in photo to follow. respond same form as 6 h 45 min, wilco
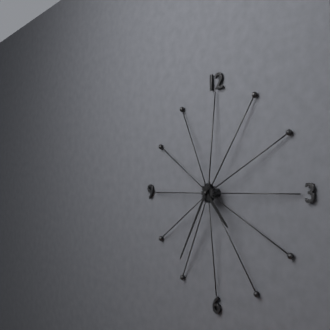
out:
4 h 35 min
